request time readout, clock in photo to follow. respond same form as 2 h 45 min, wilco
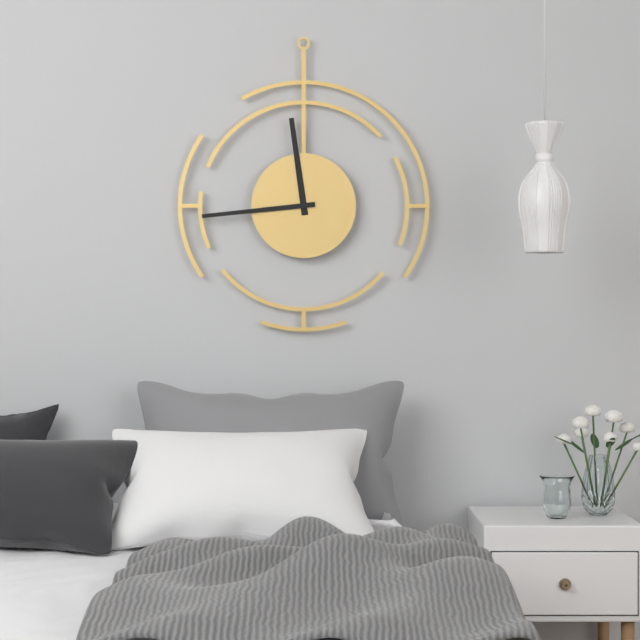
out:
11 h 44 min
